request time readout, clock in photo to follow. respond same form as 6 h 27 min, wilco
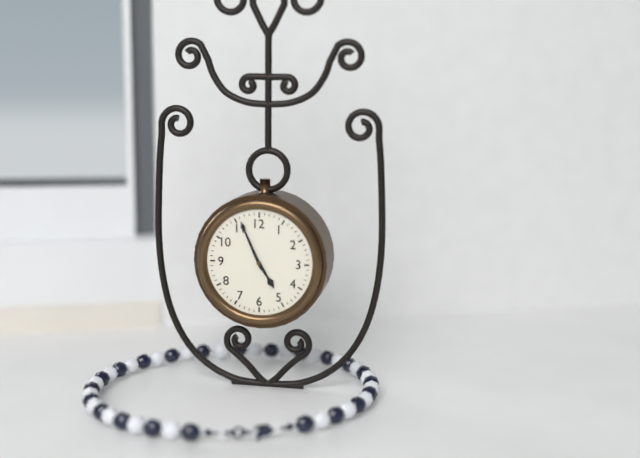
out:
4 h 56 min
